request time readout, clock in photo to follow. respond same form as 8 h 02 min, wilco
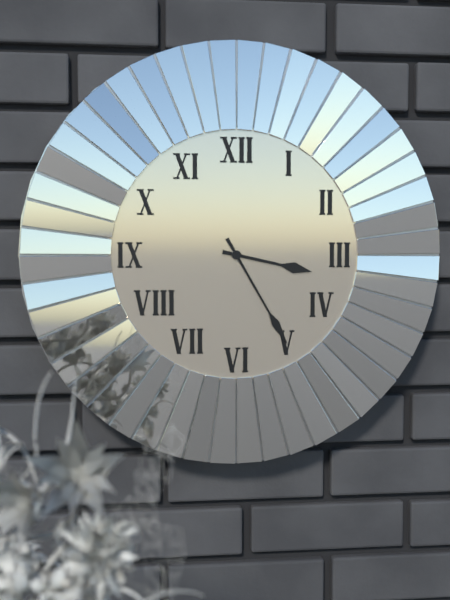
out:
3 h 25 min
